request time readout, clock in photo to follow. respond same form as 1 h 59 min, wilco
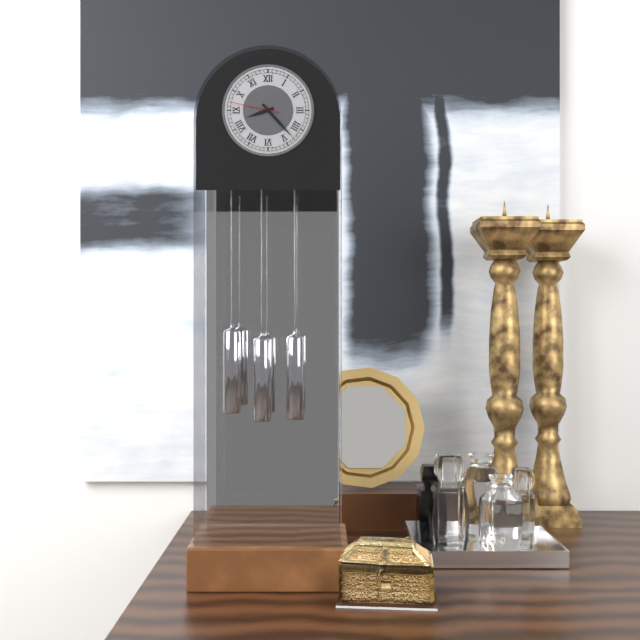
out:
8 h 23 min
